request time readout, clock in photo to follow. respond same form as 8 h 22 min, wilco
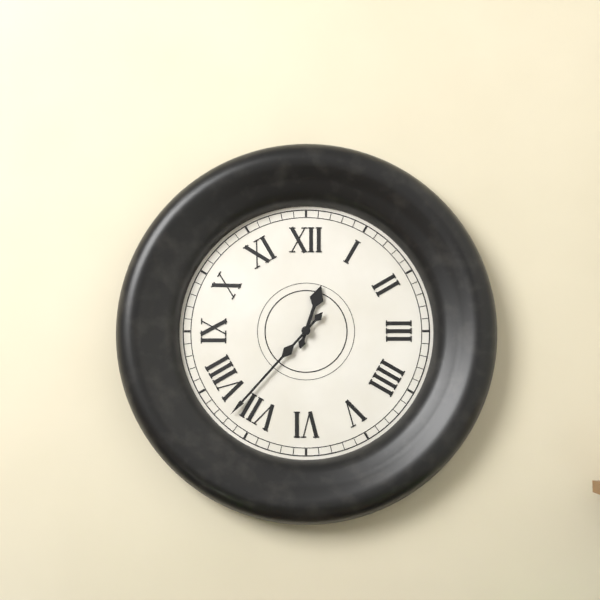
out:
12 h 37 min
